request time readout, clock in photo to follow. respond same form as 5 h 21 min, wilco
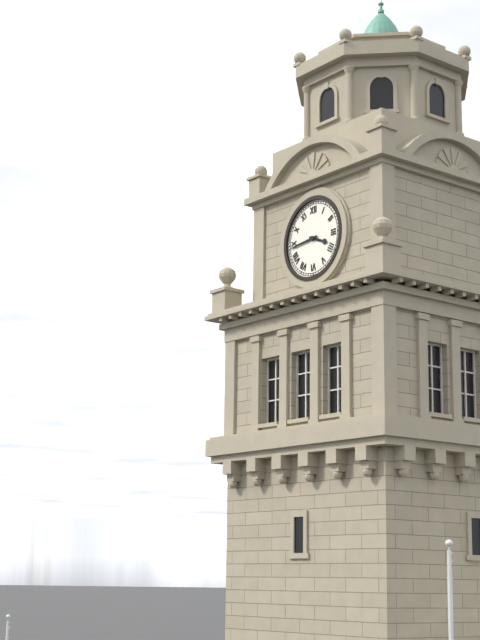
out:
3 h 44 min
